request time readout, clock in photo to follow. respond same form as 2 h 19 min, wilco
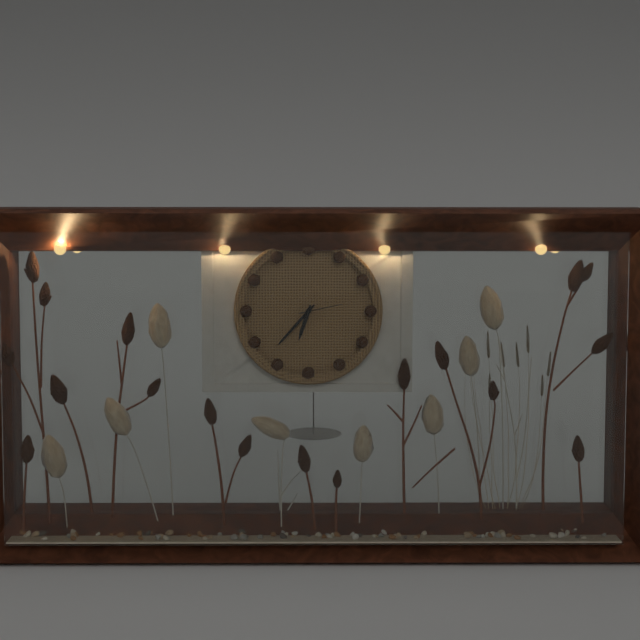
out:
6 h 37 min
